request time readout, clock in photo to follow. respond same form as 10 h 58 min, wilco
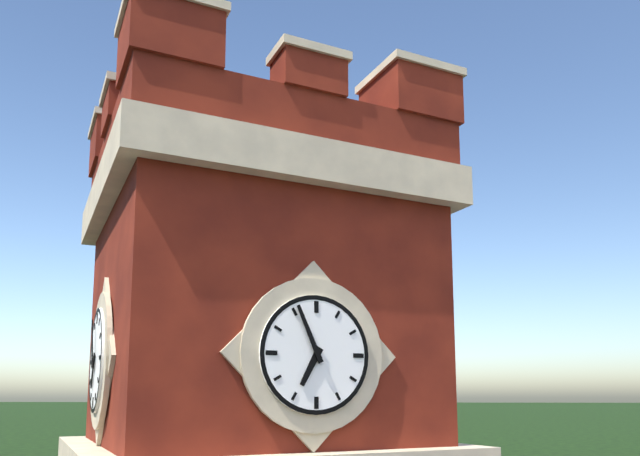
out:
6 h 56 min
